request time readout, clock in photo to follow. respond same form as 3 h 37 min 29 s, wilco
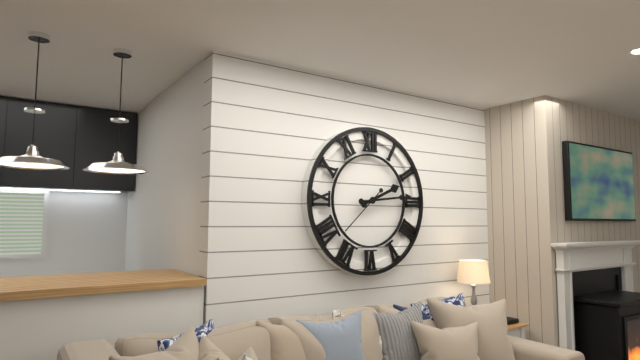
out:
2 h 14 min 38 s
